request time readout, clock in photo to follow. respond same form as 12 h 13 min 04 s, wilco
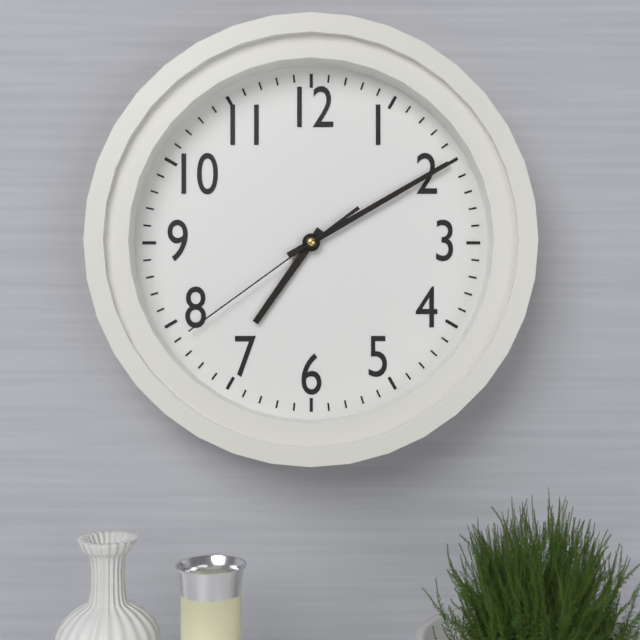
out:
7 h 10 min 39 s
